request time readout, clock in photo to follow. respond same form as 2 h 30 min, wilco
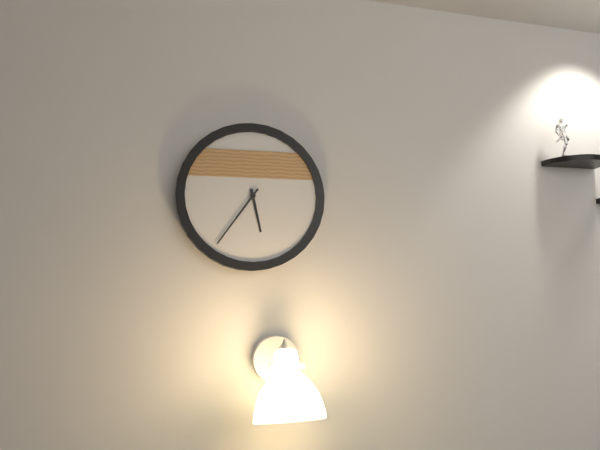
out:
5 h 36 min
